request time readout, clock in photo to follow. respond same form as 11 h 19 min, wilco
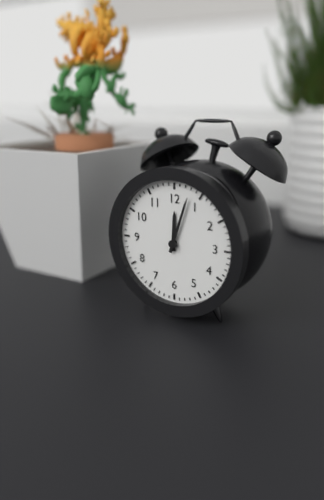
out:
12 h 03 min
